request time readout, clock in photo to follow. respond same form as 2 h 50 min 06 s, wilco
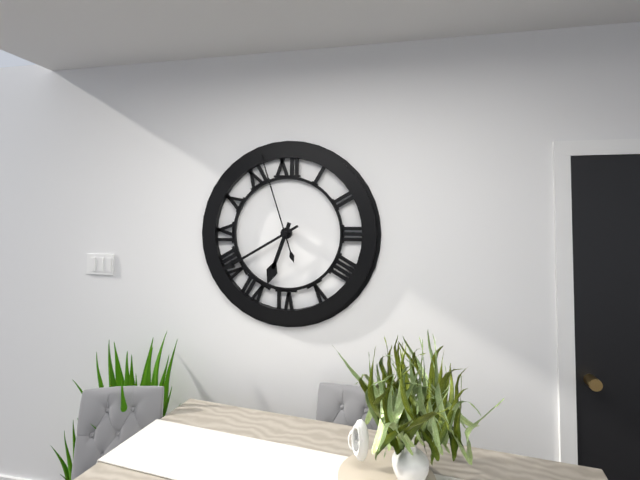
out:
6 h 40 min 57 s
